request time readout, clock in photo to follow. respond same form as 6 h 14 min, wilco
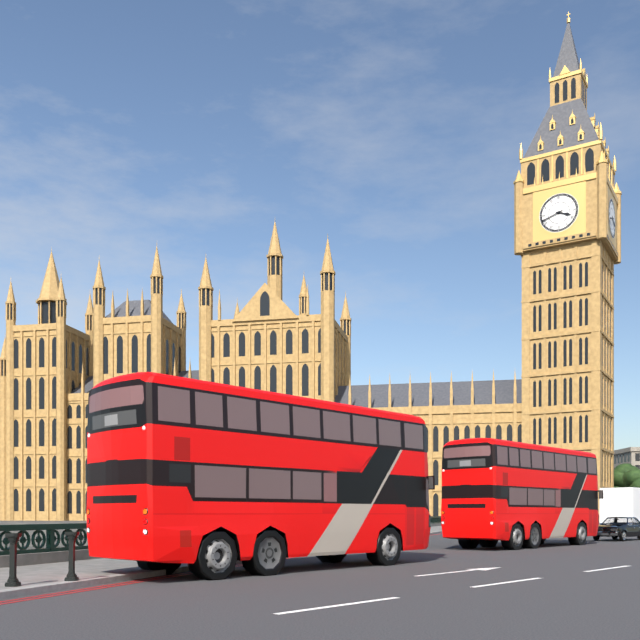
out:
3 h 42 min
